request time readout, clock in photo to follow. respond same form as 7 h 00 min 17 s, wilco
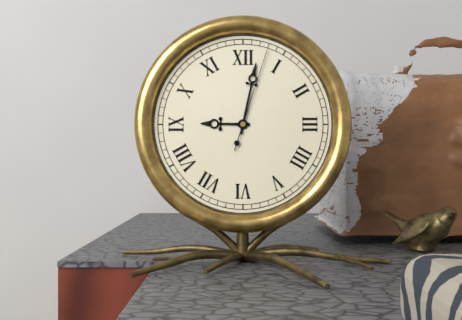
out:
9 h 02 min 03 s
